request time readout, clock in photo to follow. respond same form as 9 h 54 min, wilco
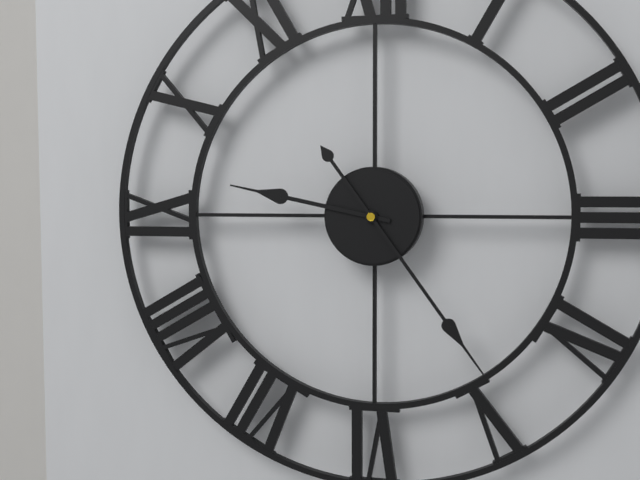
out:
9 h 24 min
